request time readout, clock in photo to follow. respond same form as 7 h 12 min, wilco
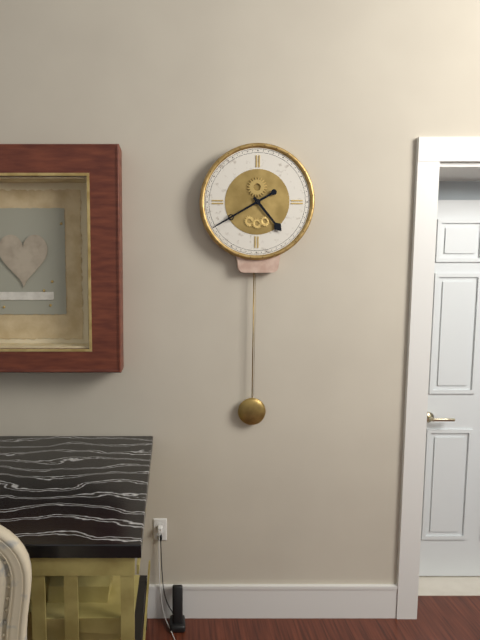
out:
4 h 40 min
